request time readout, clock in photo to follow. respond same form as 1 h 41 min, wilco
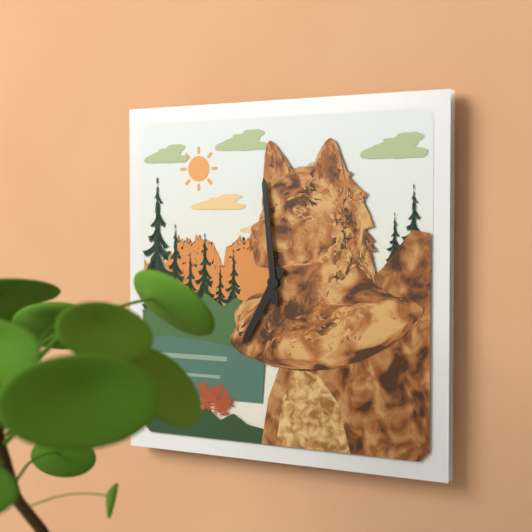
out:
6 h 59 min
